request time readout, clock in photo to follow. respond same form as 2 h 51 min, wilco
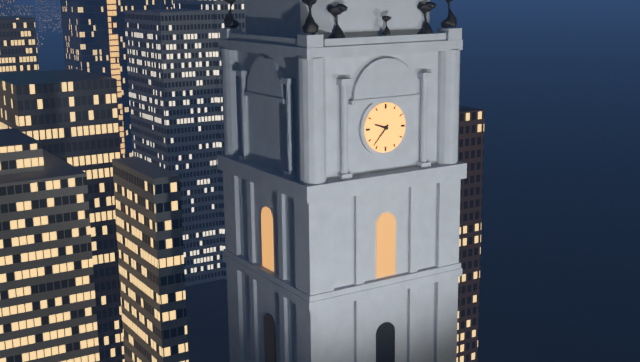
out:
9 h 37 min
